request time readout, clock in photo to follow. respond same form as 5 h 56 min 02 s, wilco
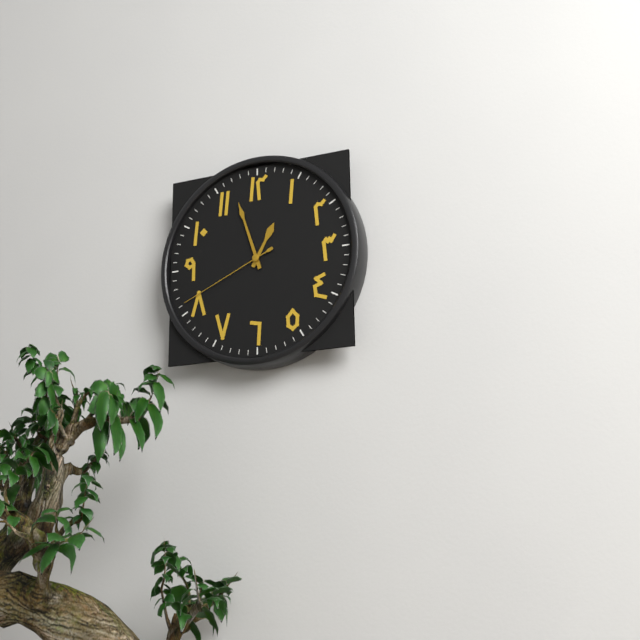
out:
12 h 57 min 41 s
